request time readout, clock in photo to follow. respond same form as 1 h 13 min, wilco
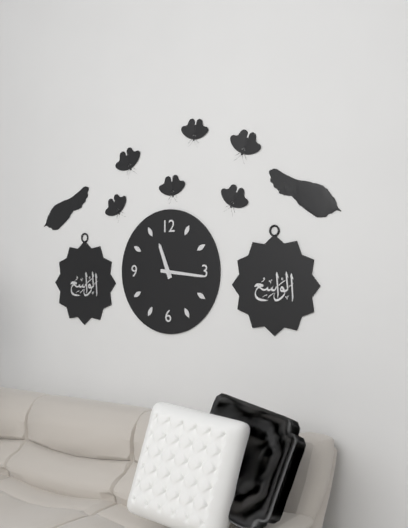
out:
11 h 16 min
